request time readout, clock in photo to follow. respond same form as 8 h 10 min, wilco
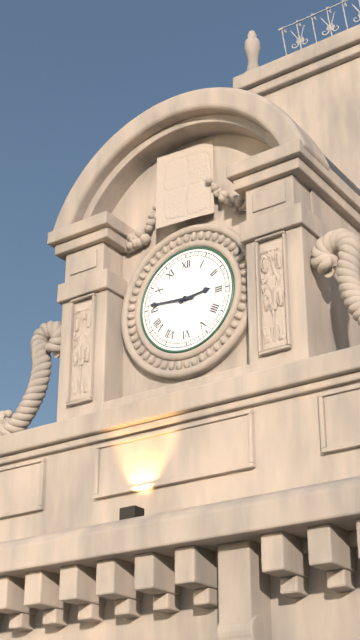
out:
2 h 46 min
